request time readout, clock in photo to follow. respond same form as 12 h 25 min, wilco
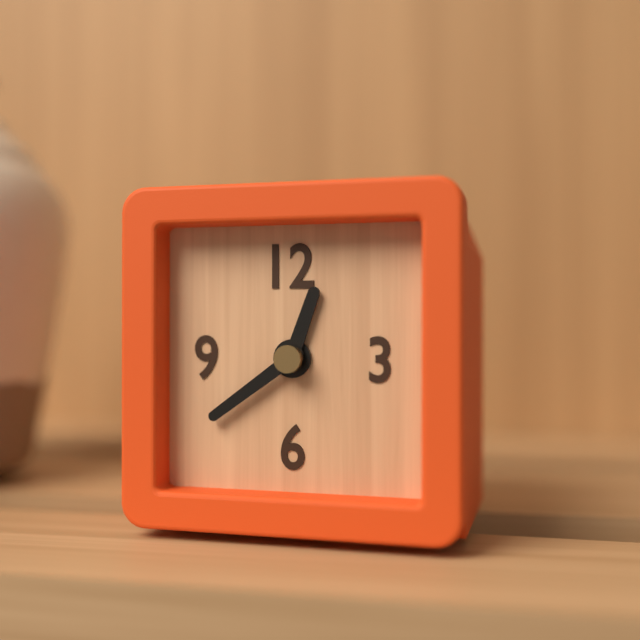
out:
12 h 39 min
